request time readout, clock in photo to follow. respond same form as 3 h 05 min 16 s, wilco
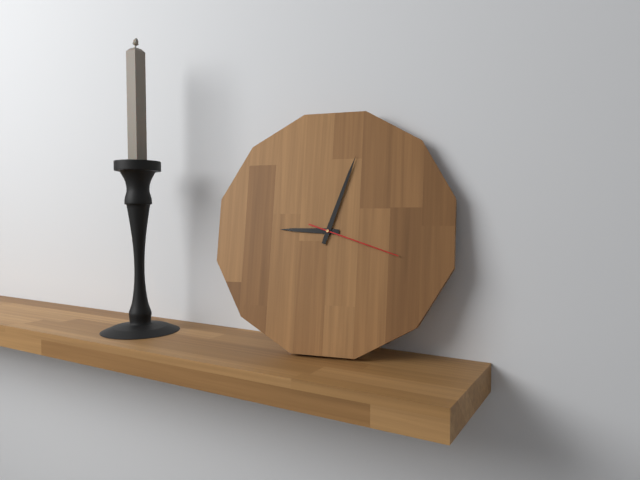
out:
9 h 03 min 18 s
